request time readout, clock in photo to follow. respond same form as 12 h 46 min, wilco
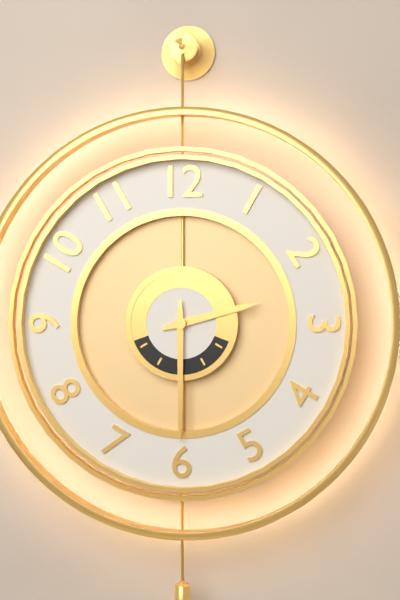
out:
2 h 30 min
